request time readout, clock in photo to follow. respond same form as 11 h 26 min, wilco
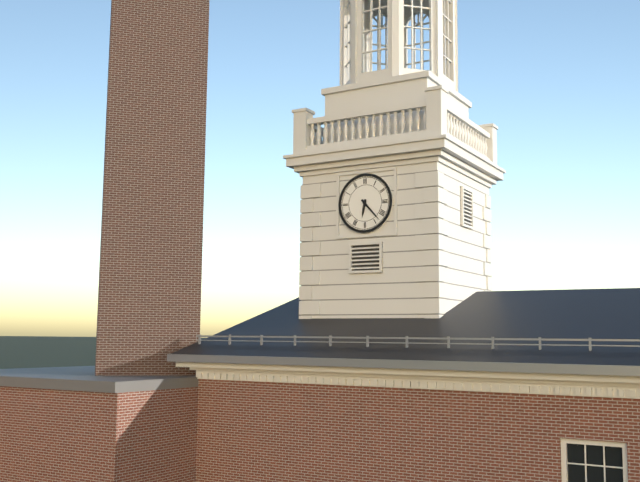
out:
6 h 23 min
